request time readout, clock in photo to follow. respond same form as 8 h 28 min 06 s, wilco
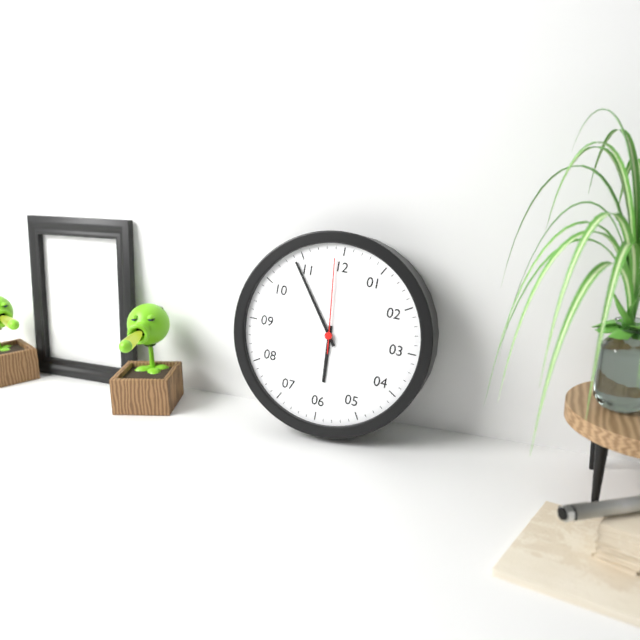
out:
5 h 54 min 59 s
